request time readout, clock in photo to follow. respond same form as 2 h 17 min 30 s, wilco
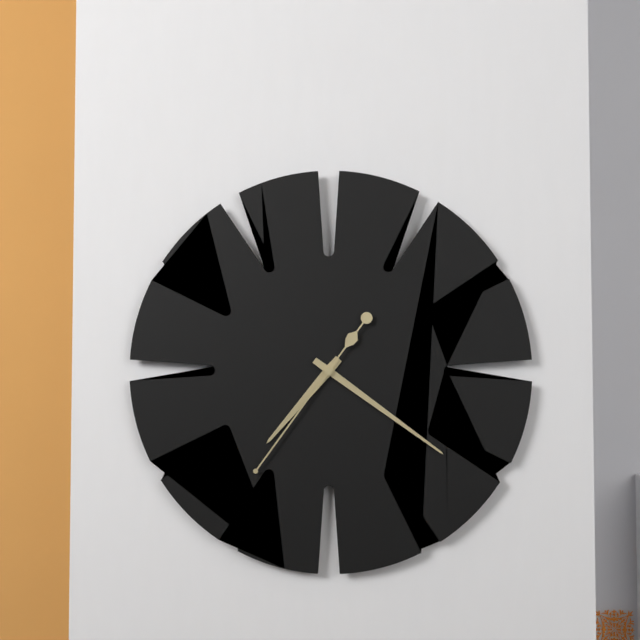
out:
7 h 21 min 36 s
